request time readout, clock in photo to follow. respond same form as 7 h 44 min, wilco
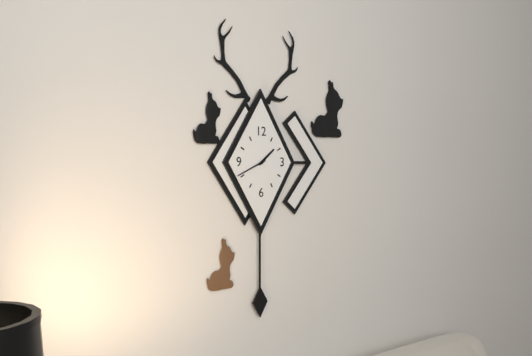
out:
1 h 41 min
